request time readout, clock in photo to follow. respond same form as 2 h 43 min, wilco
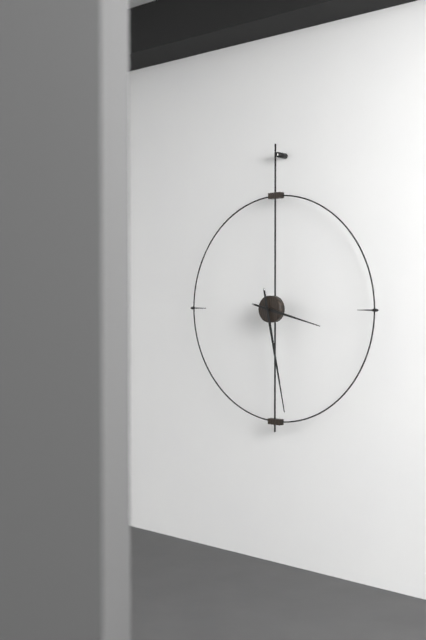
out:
3 h 28 min
